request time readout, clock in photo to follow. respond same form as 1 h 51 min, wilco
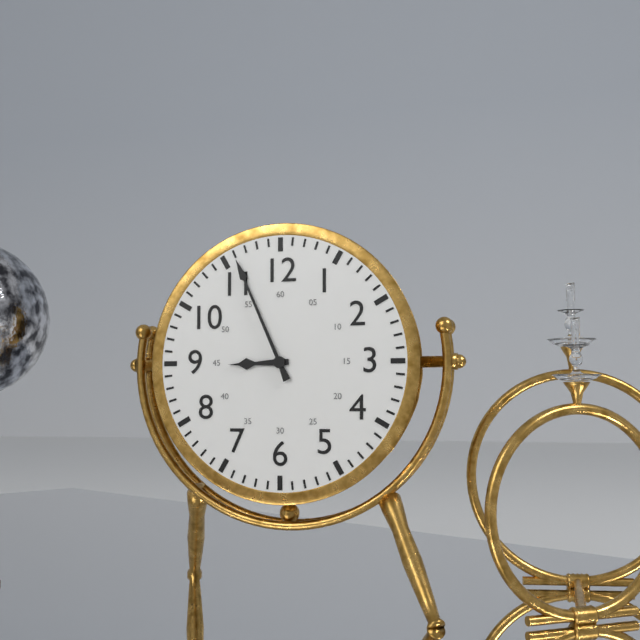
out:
8 h 56 min
